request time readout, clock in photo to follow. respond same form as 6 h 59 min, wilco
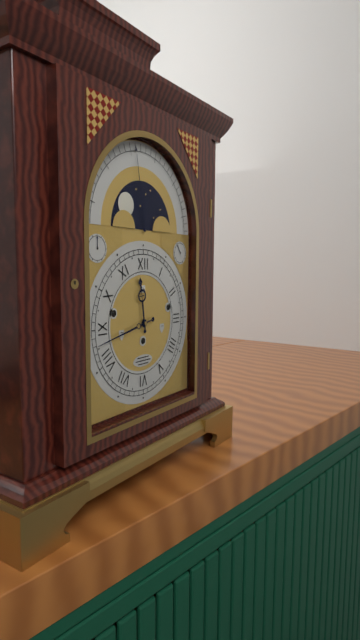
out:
11 h 43 min
